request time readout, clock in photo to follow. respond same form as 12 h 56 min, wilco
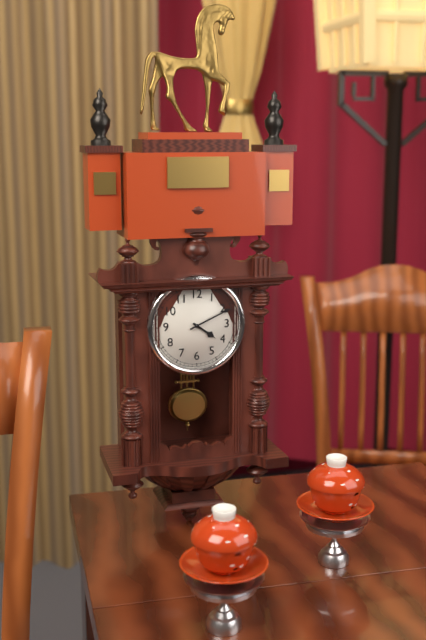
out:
4 h 11 min
